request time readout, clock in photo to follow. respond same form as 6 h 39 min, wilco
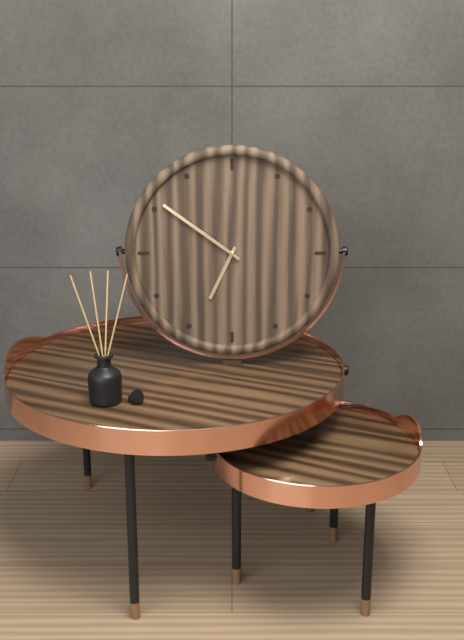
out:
6 h 51 min
